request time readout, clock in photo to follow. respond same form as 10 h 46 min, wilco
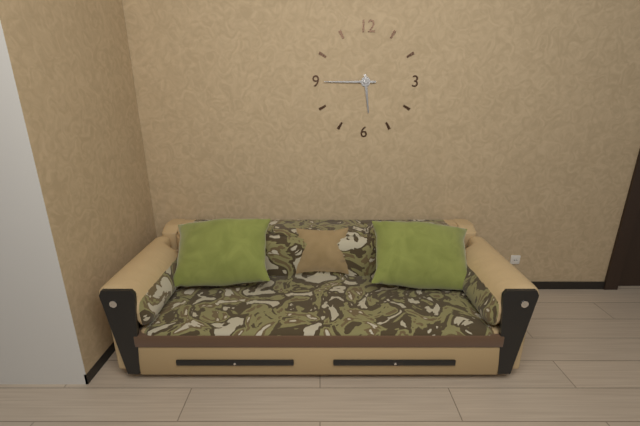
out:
5 h 45 min
